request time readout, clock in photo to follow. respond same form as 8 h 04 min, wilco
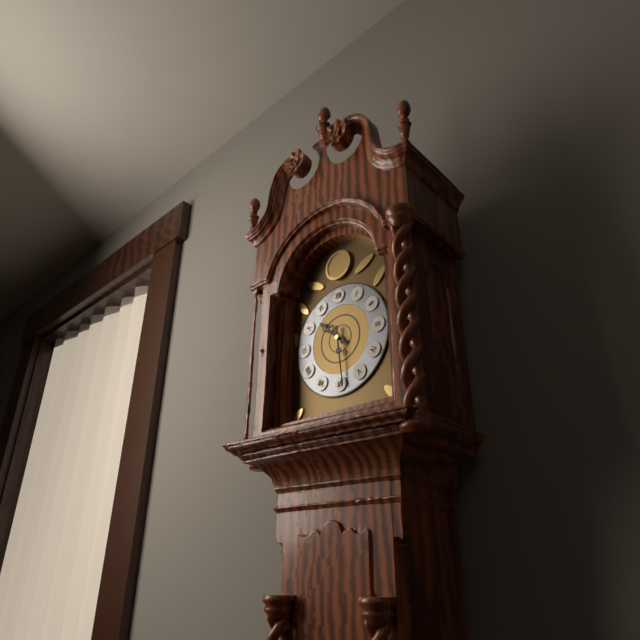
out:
10 h 29 min
